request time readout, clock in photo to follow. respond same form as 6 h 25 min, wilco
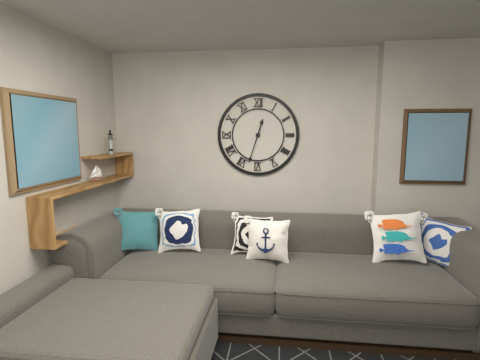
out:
12 h 33 min
